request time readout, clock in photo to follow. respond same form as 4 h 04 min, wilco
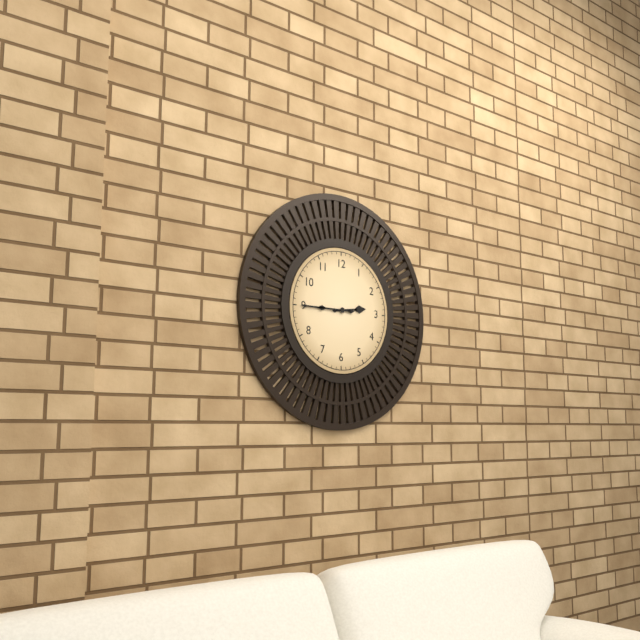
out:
2 h 45 min
